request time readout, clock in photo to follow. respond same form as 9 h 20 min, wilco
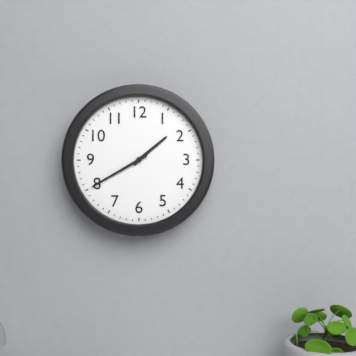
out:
1 h 40 min
